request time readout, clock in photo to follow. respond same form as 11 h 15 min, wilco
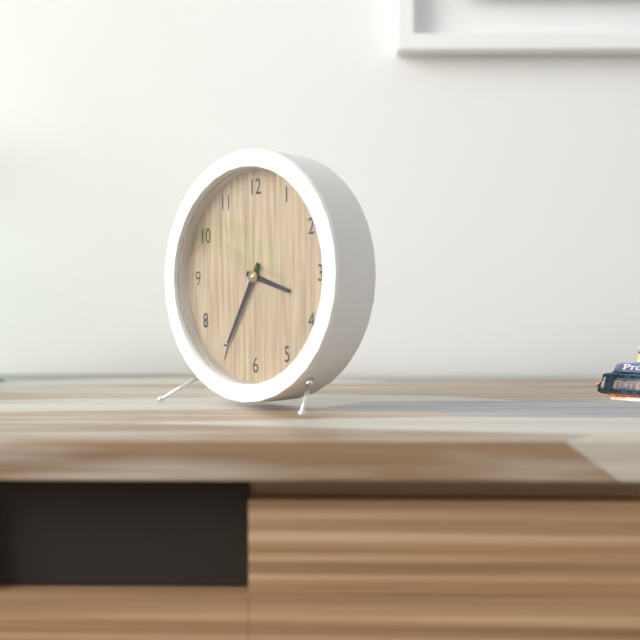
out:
3 h 35 min
